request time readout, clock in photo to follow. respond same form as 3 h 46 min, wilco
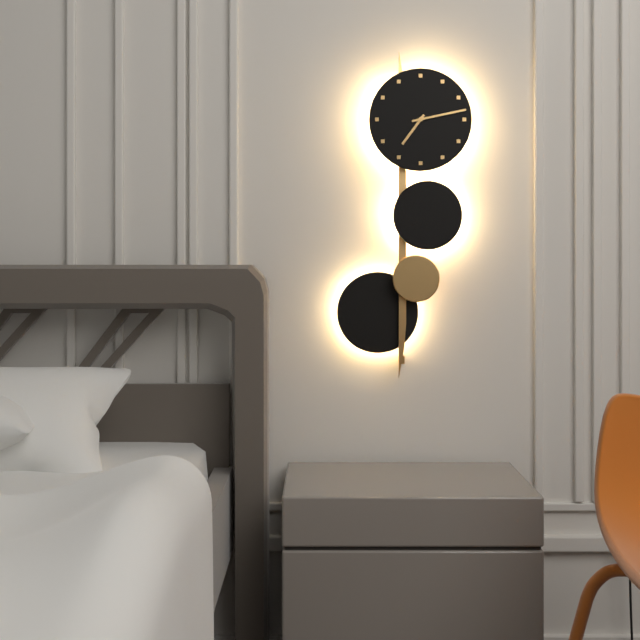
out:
7 h 13 min
